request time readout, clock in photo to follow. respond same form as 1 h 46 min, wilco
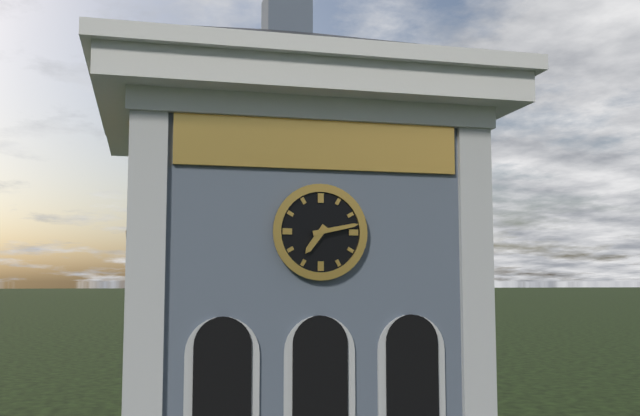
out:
7 h 13 min
